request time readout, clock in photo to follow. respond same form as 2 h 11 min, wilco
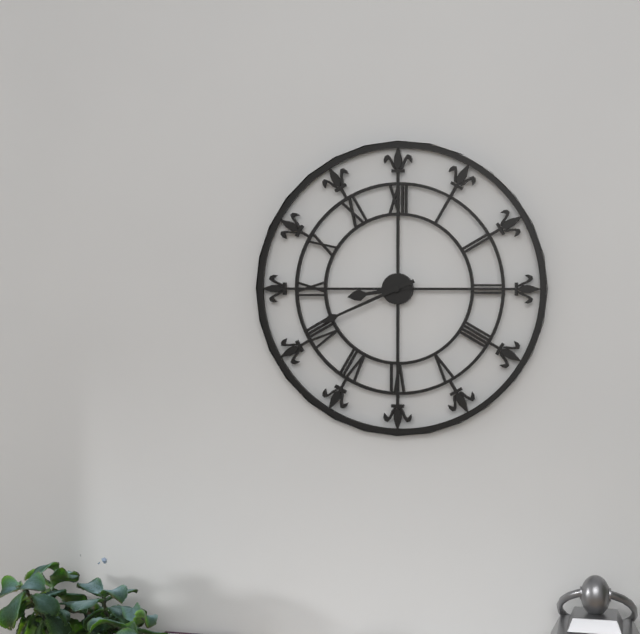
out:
8 h 41 min
